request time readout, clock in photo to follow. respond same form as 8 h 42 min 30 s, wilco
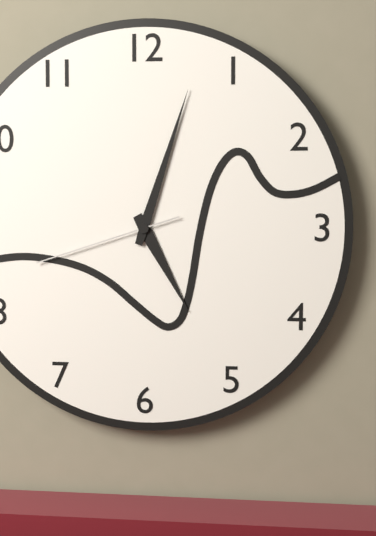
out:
5 h 03 min 42 s
